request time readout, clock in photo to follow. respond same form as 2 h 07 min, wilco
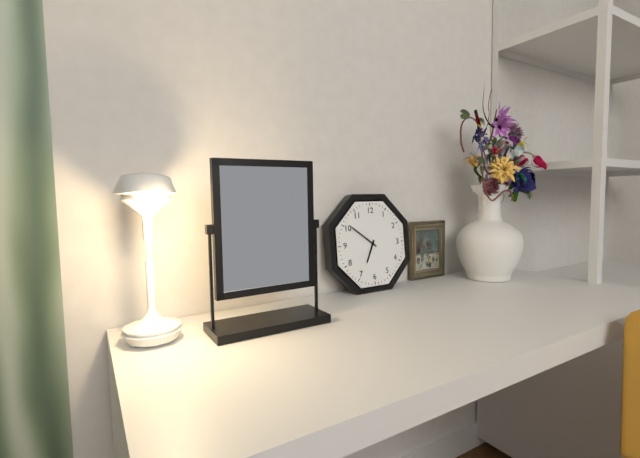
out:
6 h 51 min
